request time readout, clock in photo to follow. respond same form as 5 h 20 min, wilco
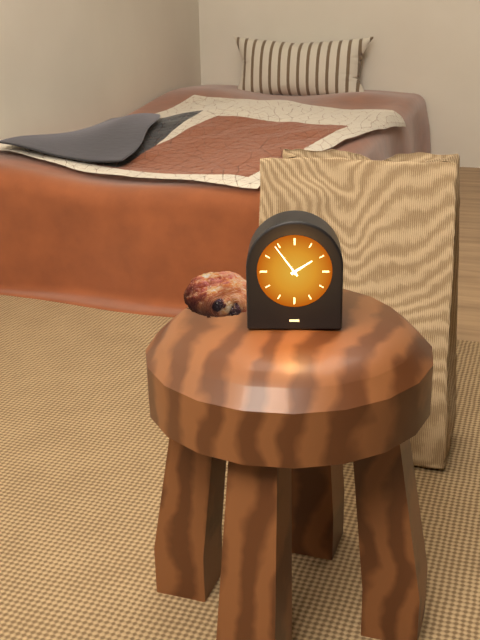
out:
1 h 54 min
